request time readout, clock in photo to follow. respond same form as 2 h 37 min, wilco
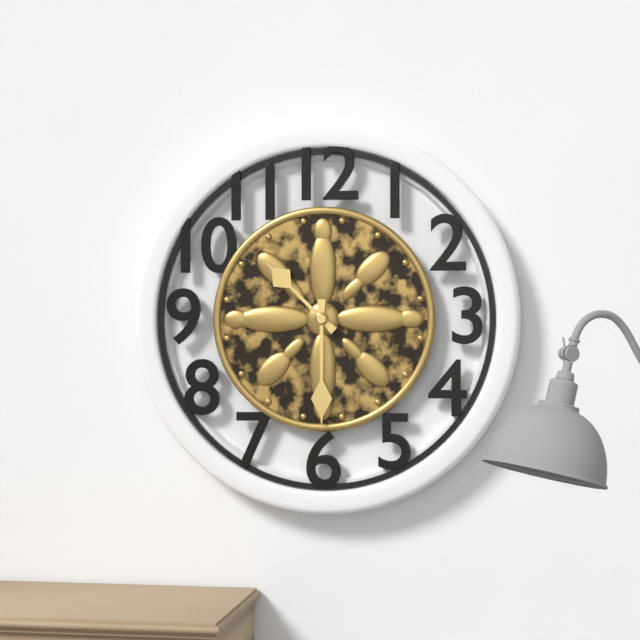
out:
10 h 30 min
